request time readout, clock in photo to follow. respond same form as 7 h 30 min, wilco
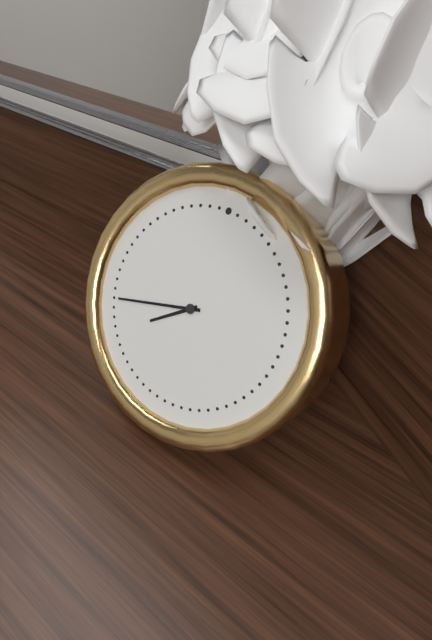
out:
7 h 42 min
